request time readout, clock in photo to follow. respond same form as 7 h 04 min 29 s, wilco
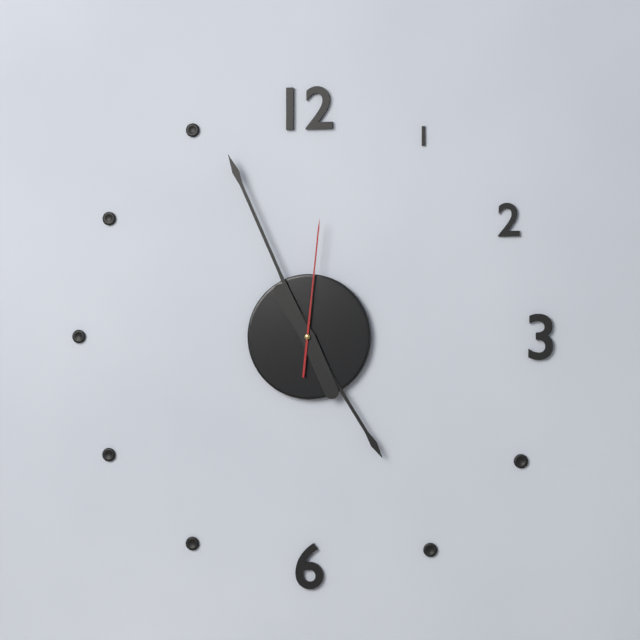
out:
4 h 56 min 01 s
